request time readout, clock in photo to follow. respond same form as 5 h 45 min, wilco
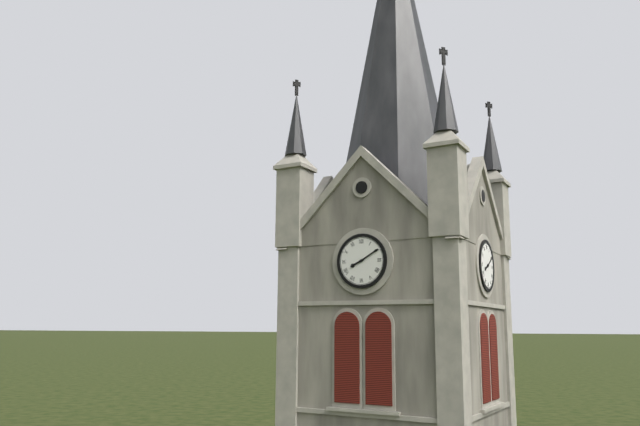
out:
8 h 10 min
